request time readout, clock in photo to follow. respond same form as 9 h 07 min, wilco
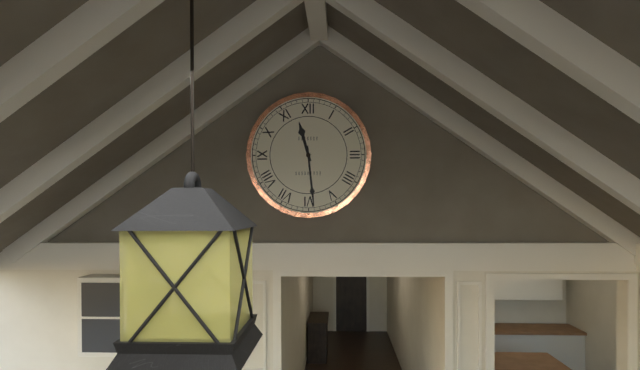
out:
11 h 29 min
